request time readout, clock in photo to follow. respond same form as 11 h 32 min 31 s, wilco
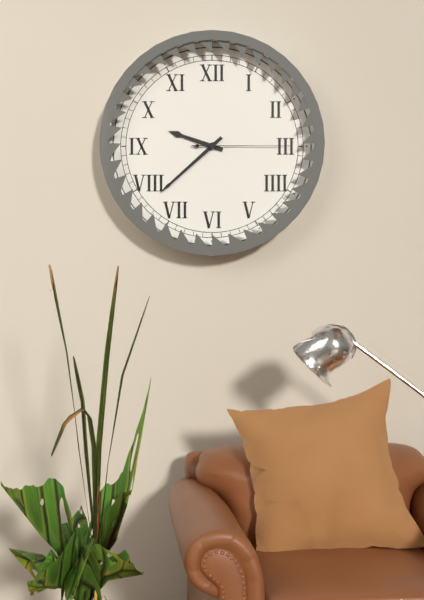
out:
9 h 38 min 15 s
